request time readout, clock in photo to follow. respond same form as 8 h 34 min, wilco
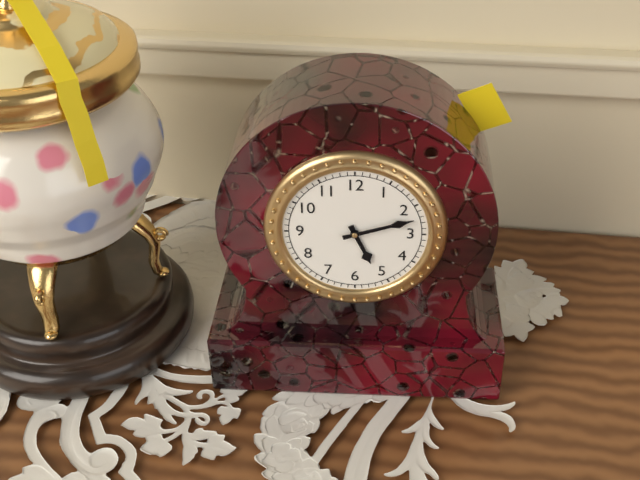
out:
5 h 12 min
